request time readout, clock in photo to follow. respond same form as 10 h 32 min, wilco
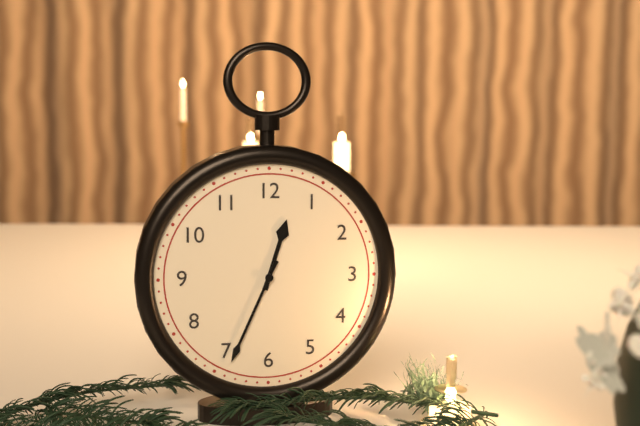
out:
12 h 34 min
